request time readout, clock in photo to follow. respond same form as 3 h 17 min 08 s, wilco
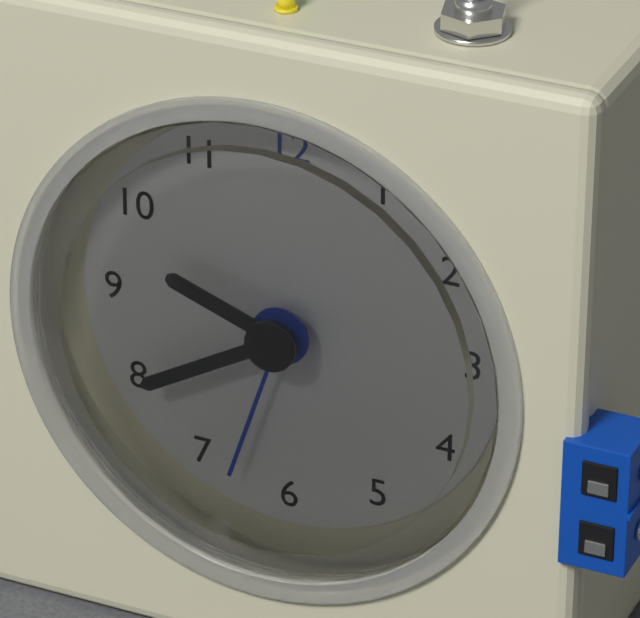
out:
9 h 40 min 33 s
